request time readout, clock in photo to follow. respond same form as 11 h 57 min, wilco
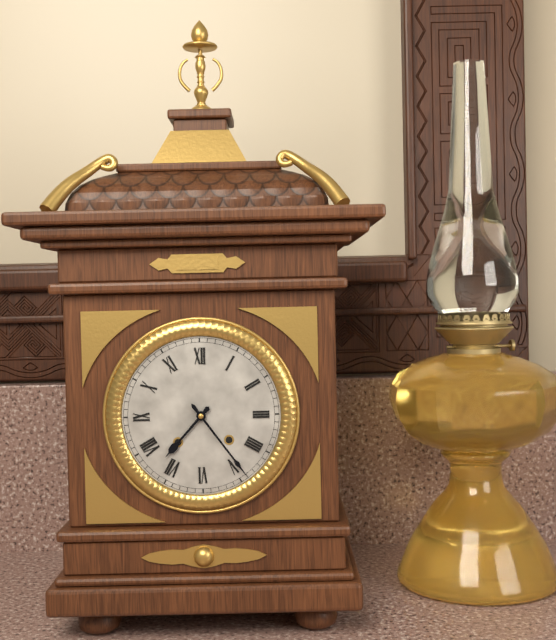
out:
7 h 24 min
